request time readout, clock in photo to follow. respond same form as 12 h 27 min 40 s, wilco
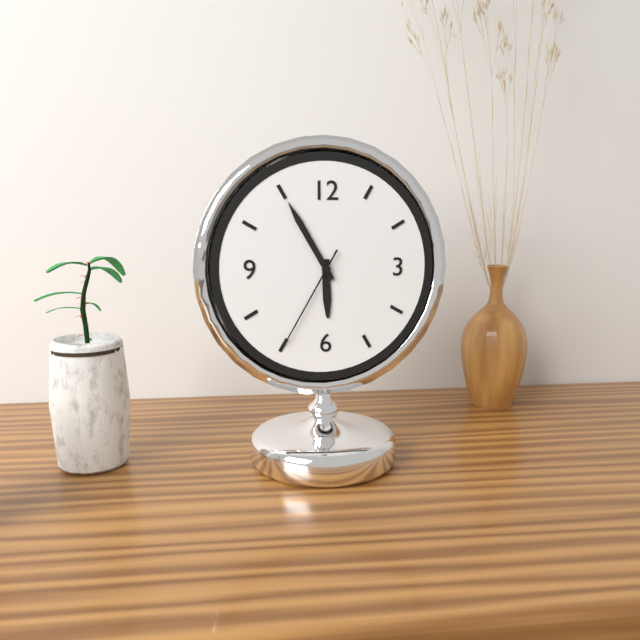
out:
5 h 55 min 35 s
